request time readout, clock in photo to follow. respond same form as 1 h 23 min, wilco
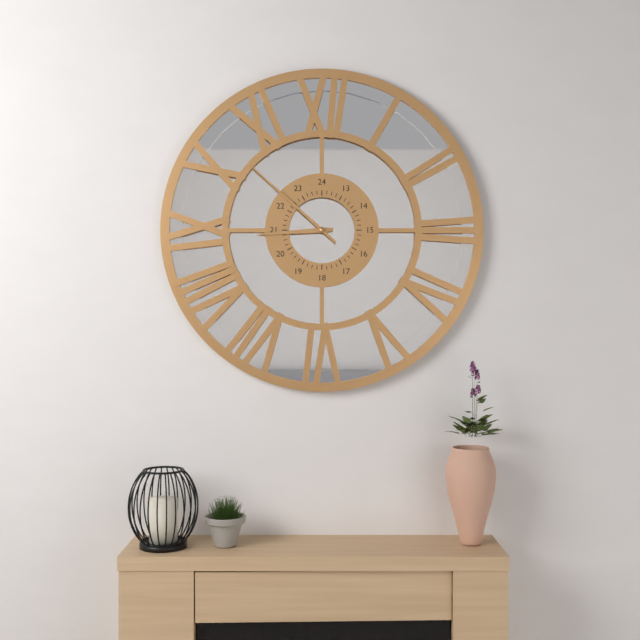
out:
8 h 52 min
